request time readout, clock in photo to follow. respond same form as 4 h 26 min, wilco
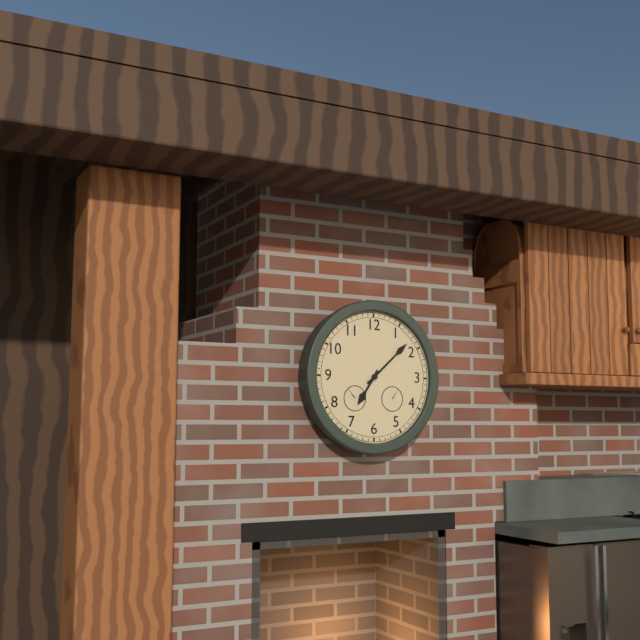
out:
7 h 08 min
